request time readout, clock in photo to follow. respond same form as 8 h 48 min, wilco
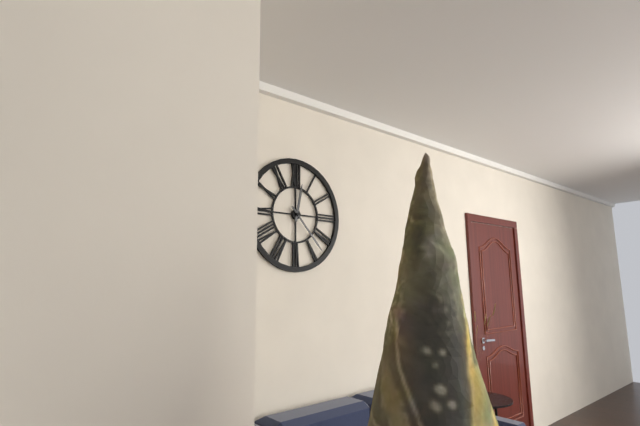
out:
12 h 23 min
